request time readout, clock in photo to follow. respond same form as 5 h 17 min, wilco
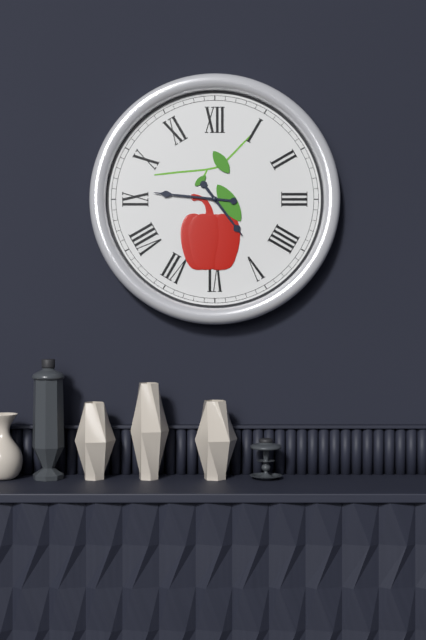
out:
4 h 46 min
